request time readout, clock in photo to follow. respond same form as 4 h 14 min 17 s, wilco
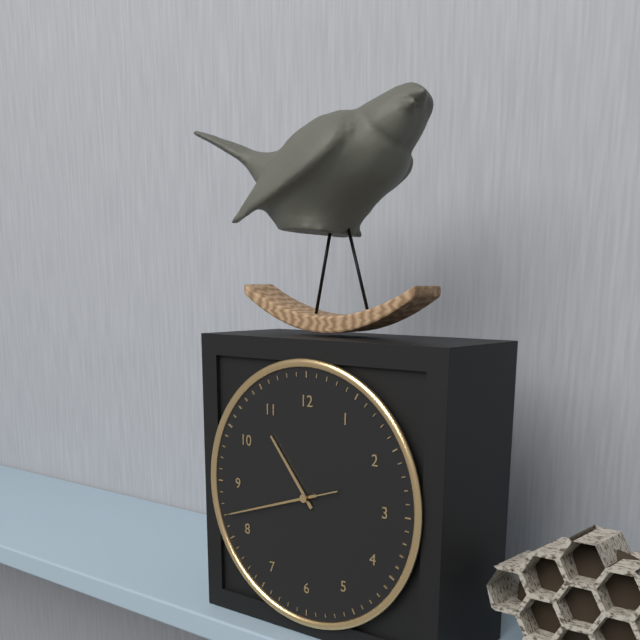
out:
10 h 42 min 42 s
